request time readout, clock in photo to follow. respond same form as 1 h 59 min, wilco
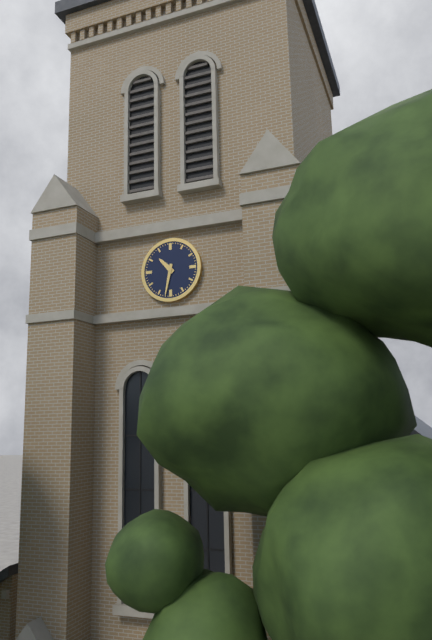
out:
10 h 32 min
